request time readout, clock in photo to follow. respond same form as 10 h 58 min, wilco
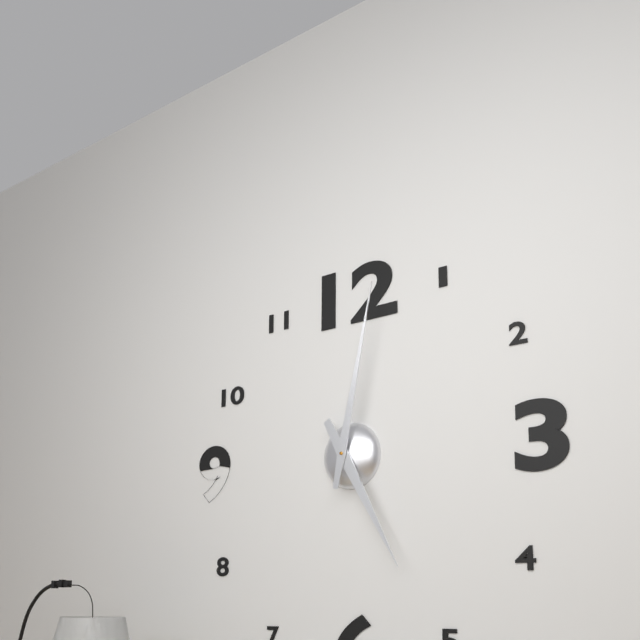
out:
5 h 02 min
